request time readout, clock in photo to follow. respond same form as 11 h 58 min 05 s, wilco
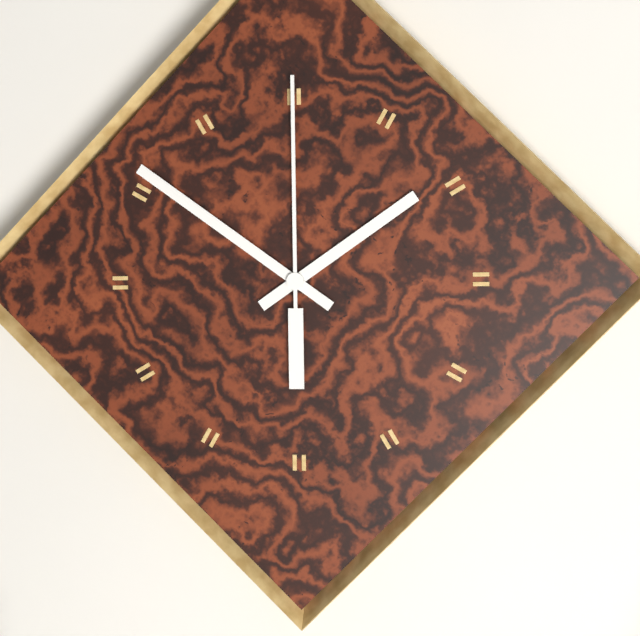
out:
1 h 51 min 00 s
